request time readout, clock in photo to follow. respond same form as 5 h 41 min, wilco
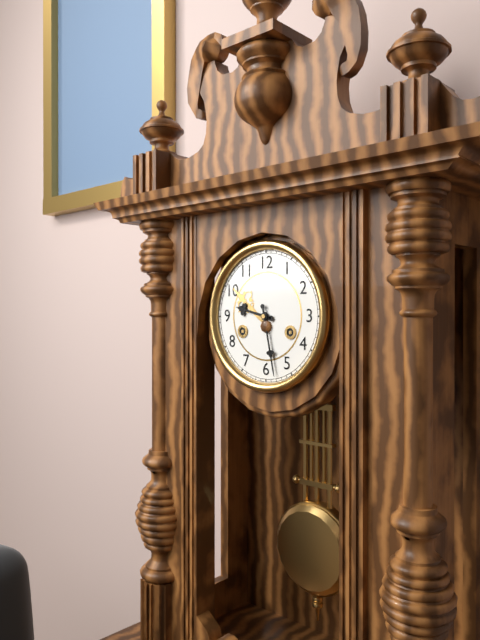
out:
9 h 28 min
